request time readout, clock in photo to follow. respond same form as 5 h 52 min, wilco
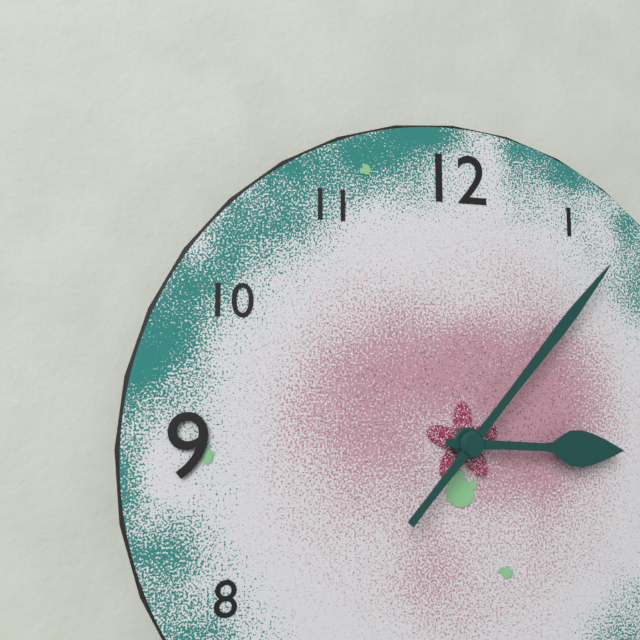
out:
3 h 07 min
